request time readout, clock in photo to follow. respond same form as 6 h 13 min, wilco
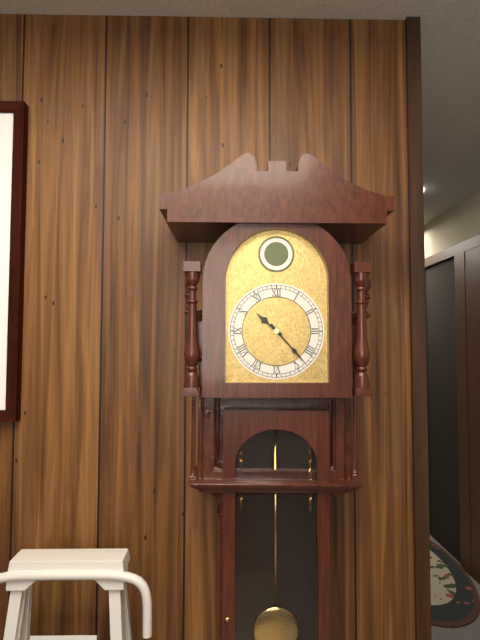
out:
10 h 23 min
